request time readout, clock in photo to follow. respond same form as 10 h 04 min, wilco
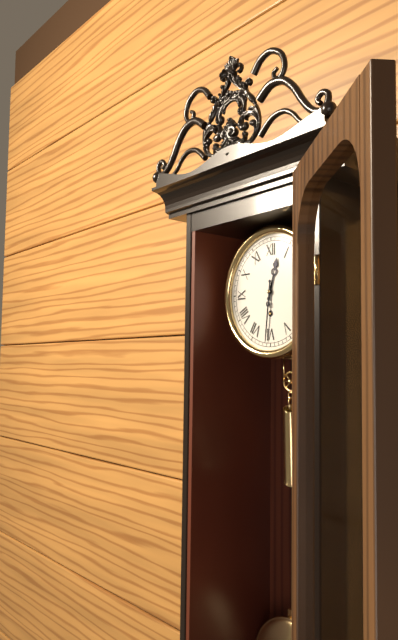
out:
12 h 31 min
